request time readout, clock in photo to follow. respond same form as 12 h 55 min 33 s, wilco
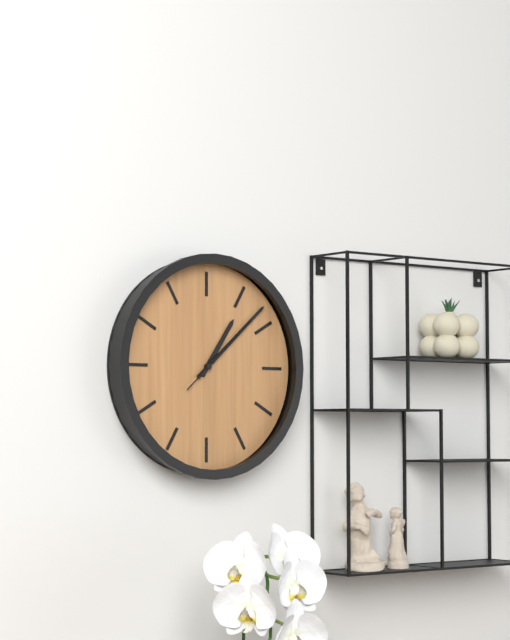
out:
1 h 08 min 08 s
